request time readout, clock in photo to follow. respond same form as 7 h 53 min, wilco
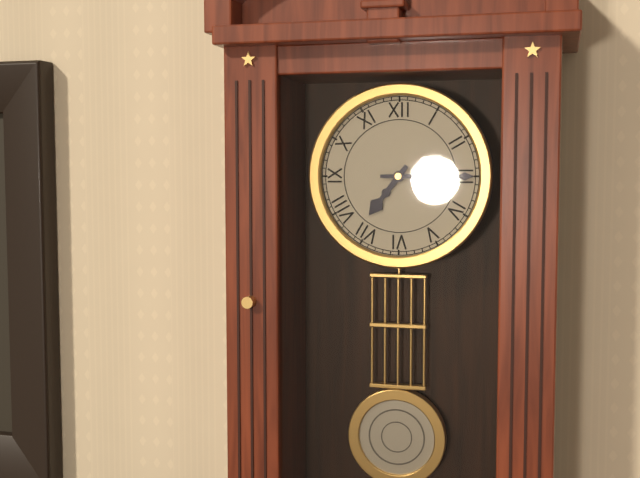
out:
7 h 15 min
